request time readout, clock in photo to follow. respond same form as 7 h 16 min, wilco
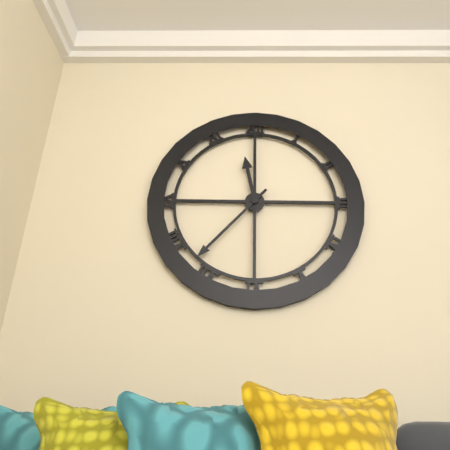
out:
11 h 37 min
